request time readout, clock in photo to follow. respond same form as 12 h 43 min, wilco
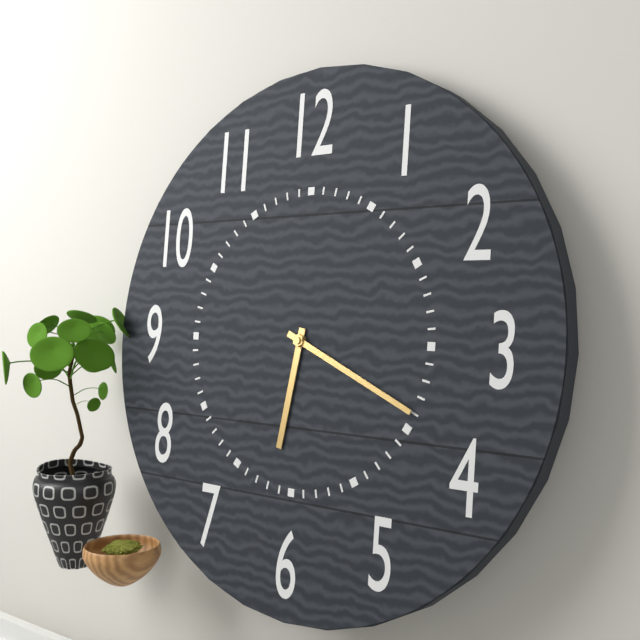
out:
6 h 19 min
